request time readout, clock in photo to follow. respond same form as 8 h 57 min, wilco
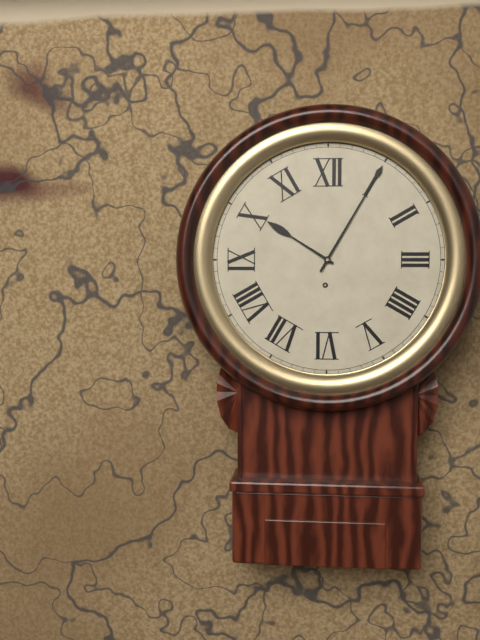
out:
10 h 05 min
